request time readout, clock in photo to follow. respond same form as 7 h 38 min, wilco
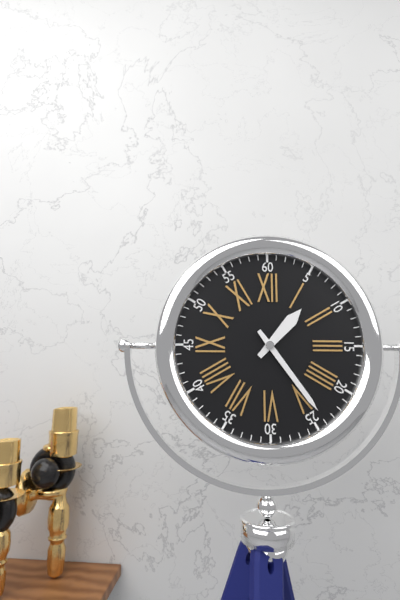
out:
1 h 24 min
